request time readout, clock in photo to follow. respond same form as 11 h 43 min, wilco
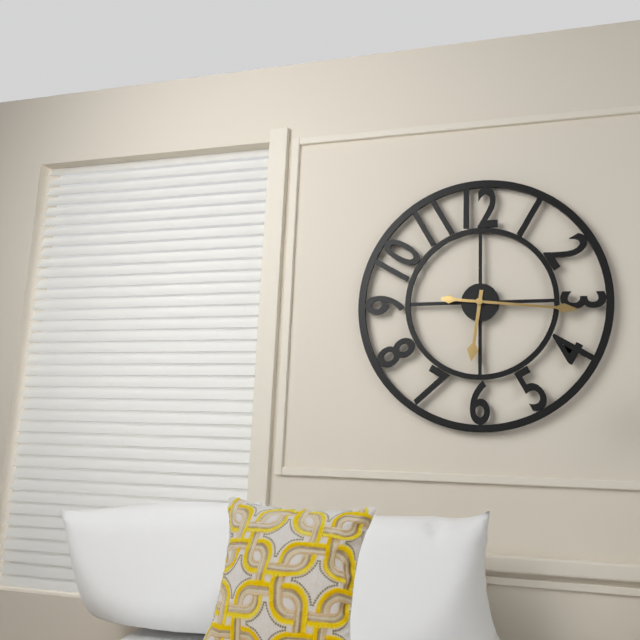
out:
6 h 16 min
